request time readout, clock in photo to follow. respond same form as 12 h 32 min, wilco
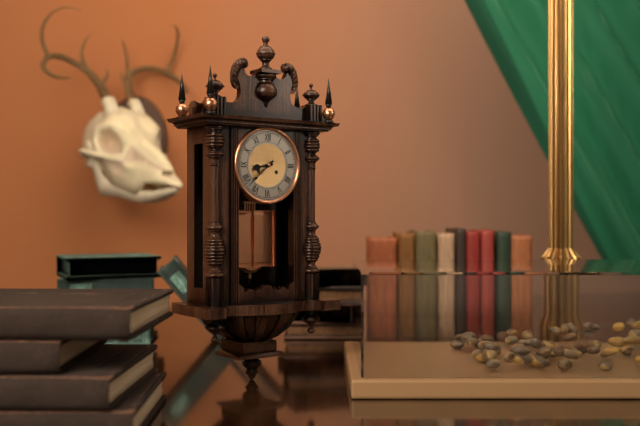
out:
8 h 38 min
